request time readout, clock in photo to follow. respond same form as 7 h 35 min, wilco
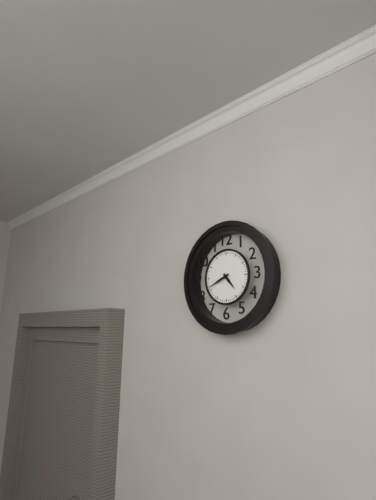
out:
4 h 41 min
